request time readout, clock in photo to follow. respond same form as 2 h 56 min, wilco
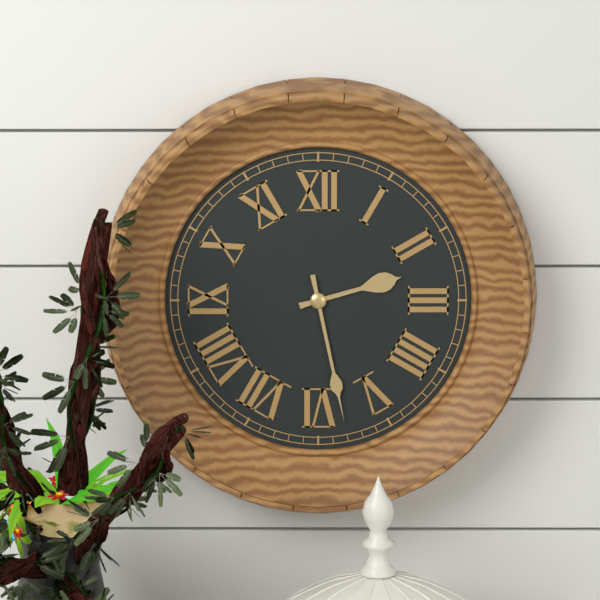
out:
2 h 28 min
